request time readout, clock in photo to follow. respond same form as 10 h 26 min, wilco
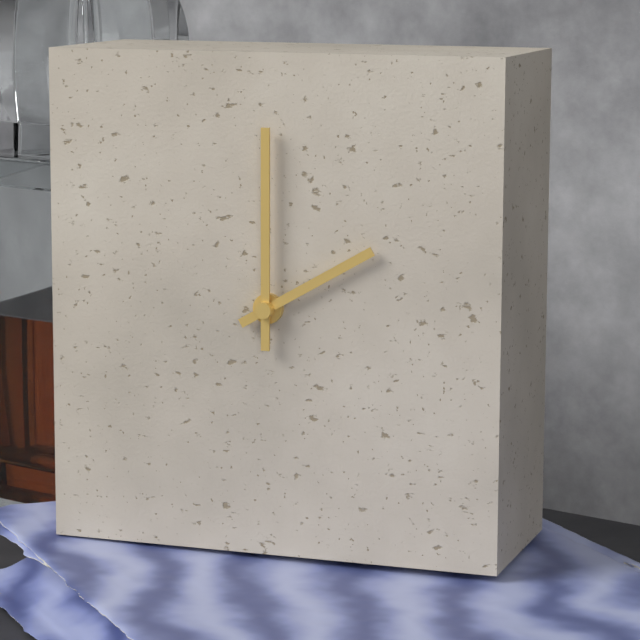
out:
2 h 00 min
